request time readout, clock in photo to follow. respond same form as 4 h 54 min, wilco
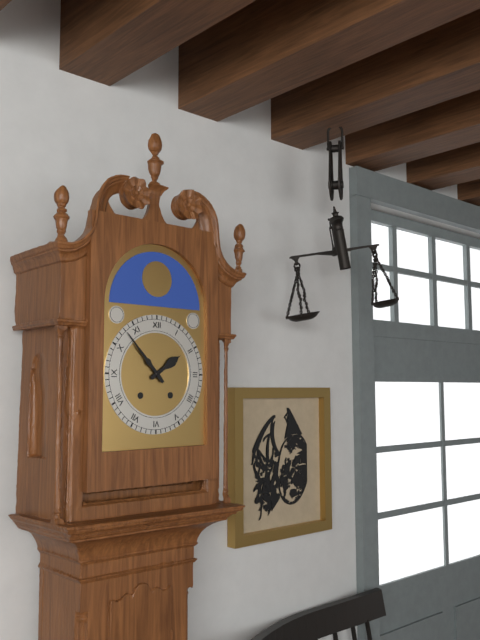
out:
1 h 53 min
